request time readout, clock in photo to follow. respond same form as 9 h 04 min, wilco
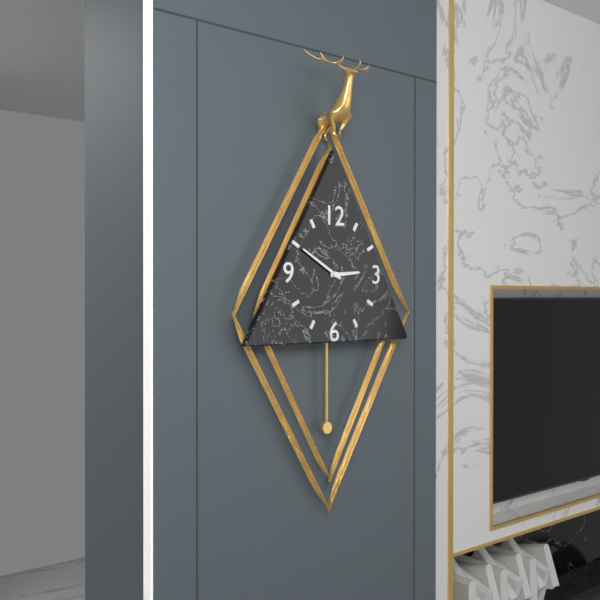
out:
2 h 50 min
